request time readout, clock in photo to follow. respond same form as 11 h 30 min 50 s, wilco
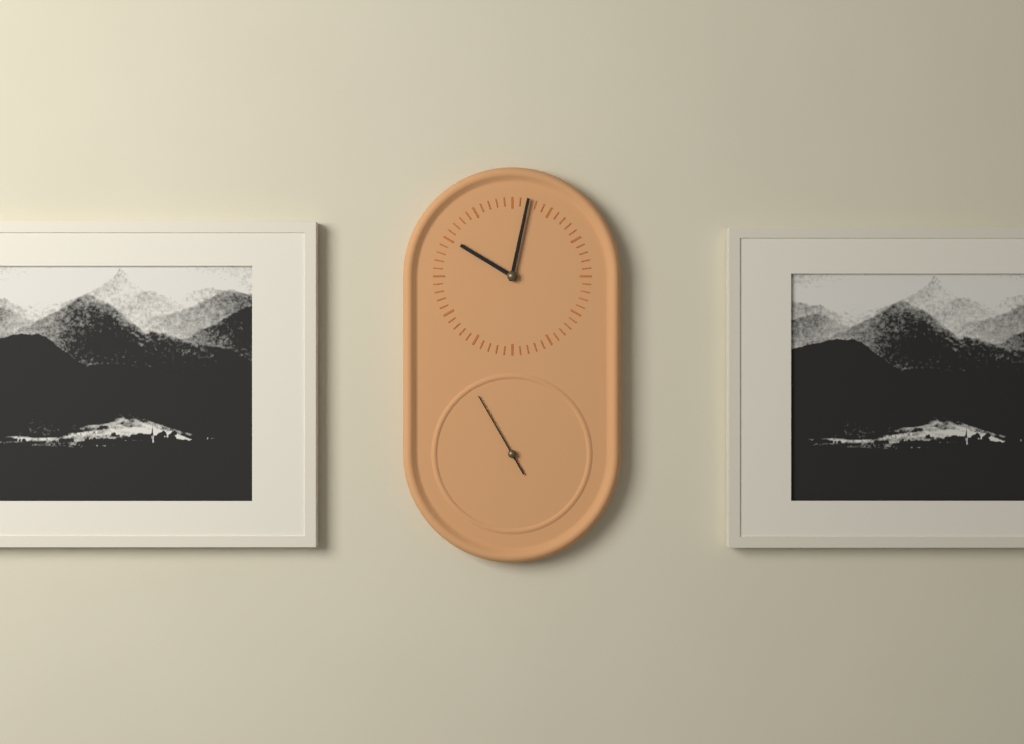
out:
10 h 02 min 55 s
